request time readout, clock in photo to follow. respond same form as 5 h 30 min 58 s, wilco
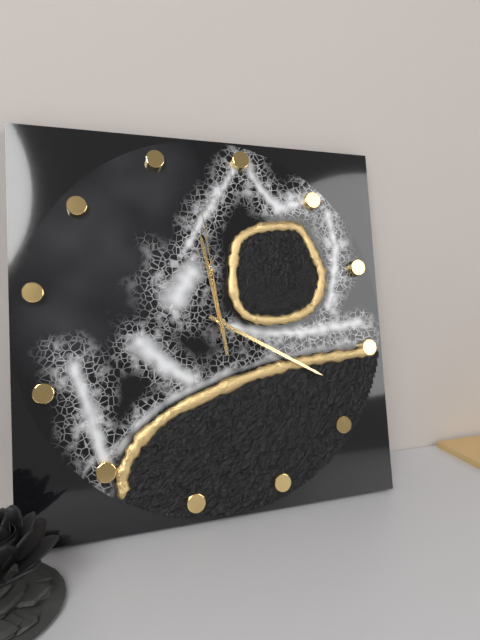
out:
11 h 18 min 57 s
